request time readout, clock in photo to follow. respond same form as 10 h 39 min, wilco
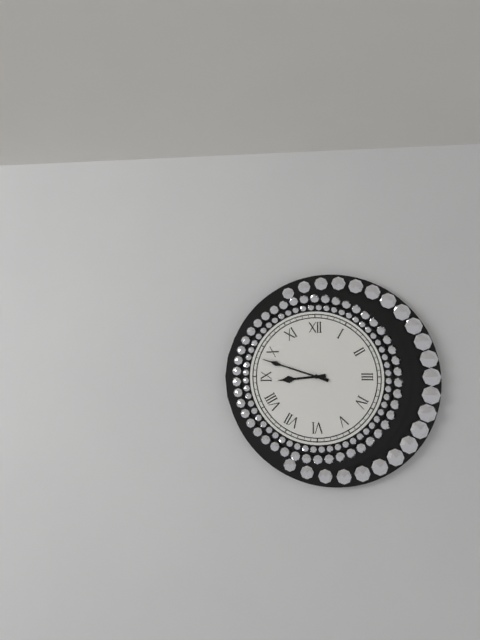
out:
8 h 48 min
